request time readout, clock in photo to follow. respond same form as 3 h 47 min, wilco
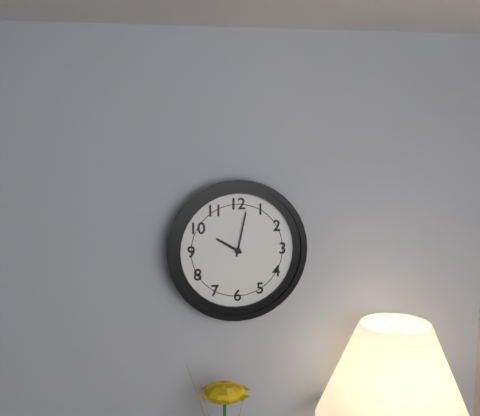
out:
10 h 02 min
